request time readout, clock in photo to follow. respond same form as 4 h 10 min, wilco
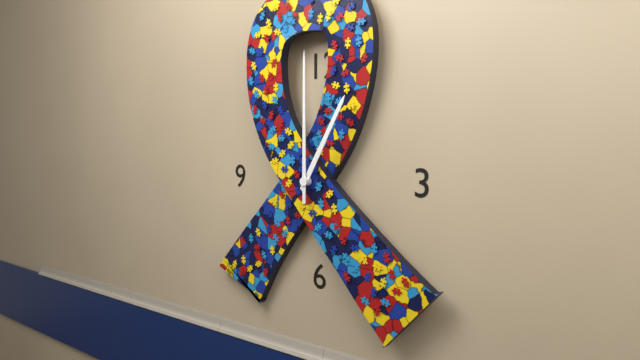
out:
1 h 00 min
